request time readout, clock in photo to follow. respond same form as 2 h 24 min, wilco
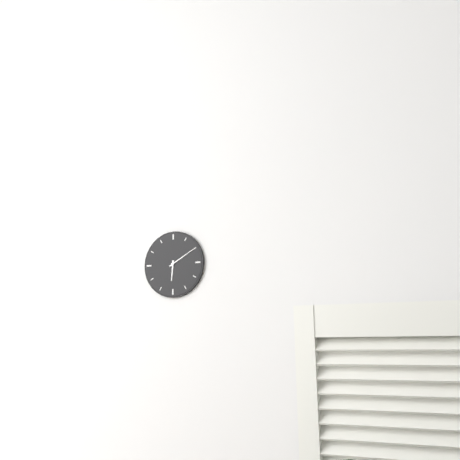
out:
6 h 10 min
